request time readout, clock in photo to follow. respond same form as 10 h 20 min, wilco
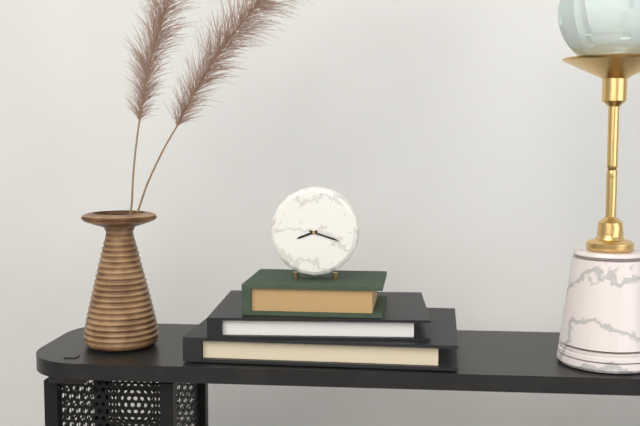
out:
8 h 18 min
